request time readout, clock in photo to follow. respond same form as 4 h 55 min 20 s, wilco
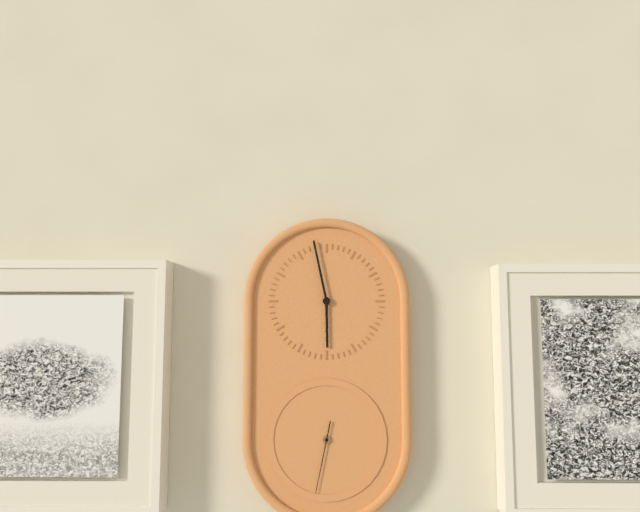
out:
5 h 58 min 32 s
